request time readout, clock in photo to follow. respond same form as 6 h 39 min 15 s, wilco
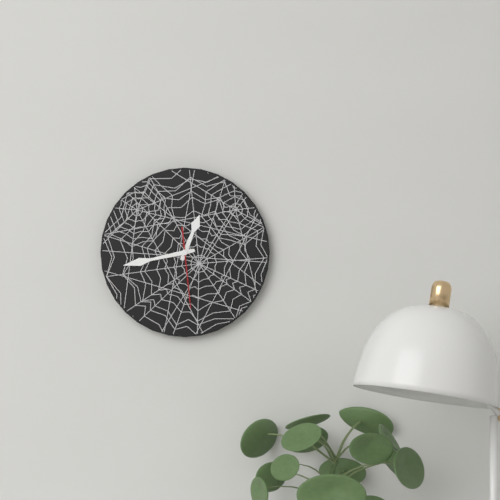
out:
12 h 43 min 29 s
